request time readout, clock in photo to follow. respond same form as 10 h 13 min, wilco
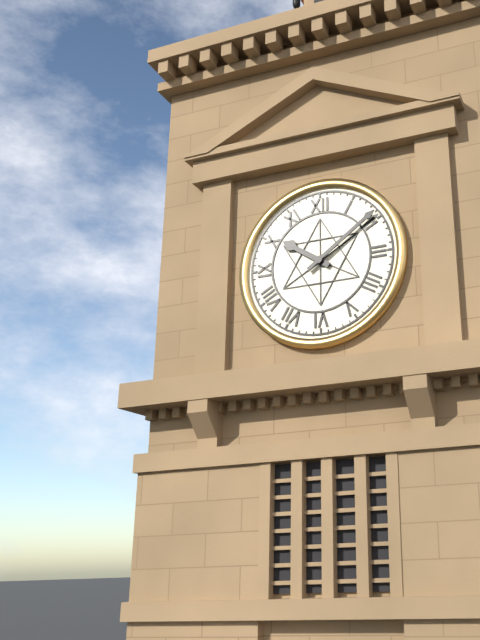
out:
10 h 09 min
